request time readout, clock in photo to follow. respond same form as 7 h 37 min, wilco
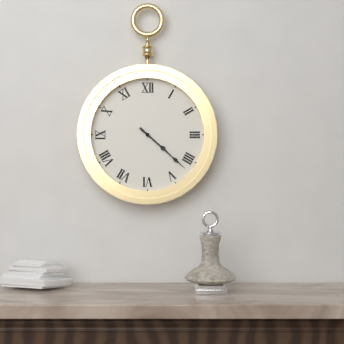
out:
4 h 22 min
